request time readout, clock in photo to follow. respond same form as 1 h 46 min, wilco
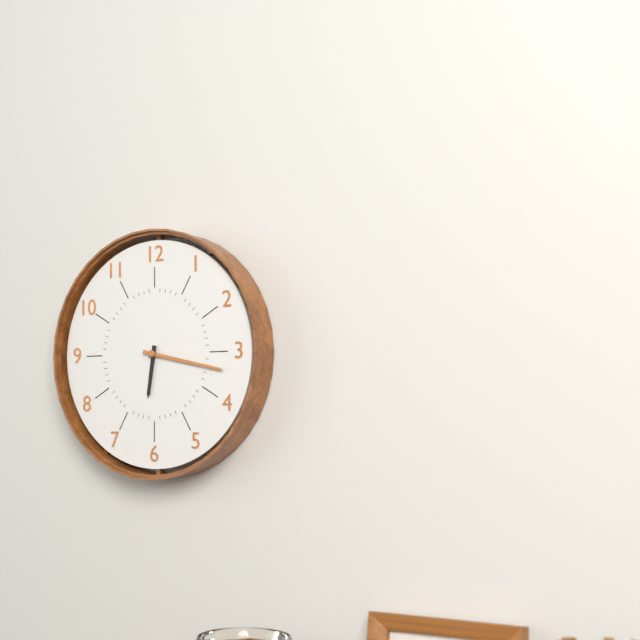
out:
6 h 17 min
